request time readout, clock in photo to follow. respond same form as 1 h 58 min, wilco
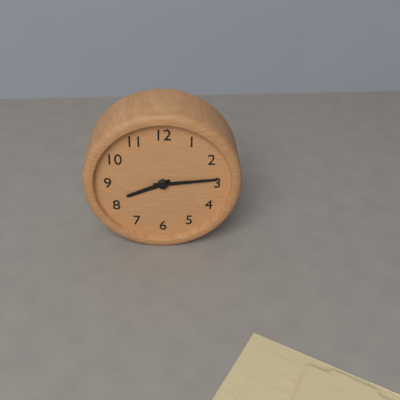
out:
8 h 14 min
